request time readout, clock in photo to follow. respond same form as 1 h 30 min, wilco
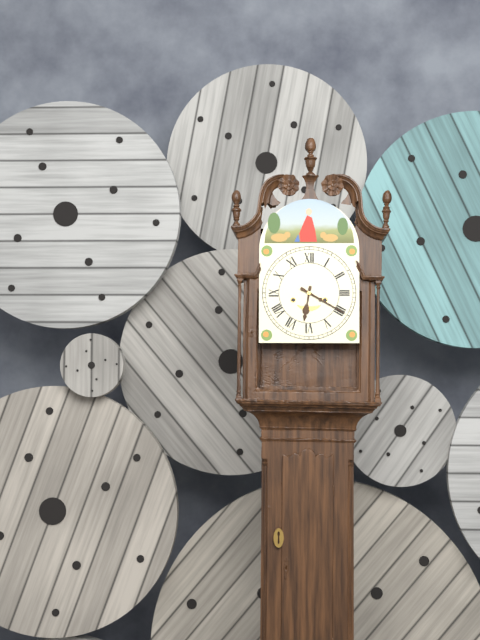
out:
6 h 20 min
